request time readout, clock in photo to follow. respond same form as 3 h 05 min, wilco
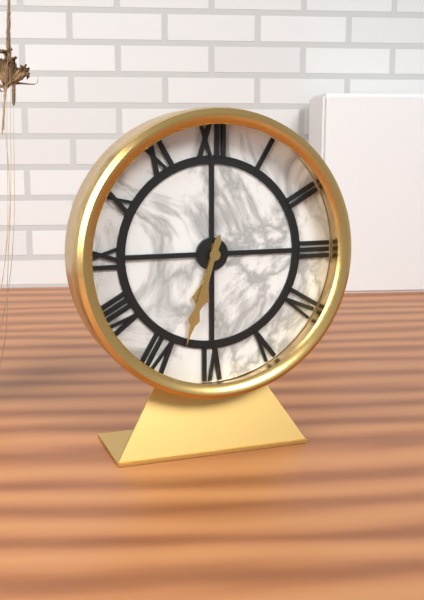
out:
6 h 33 min
